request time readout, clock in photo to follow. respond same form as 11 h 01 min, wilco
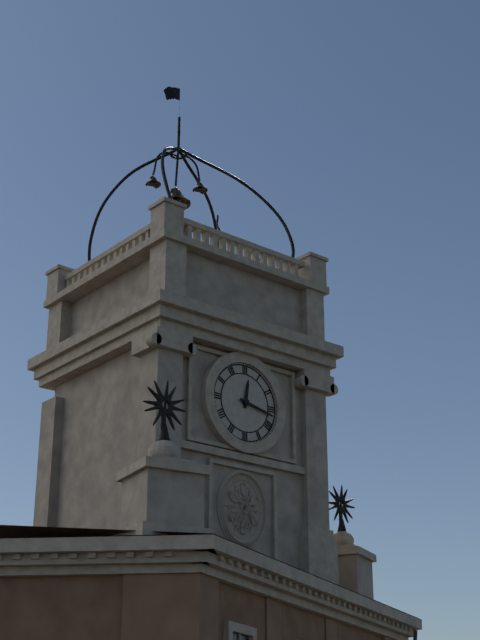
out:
12 h 17 min
